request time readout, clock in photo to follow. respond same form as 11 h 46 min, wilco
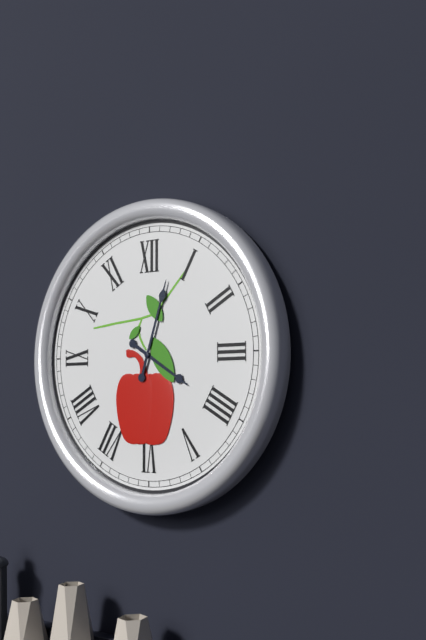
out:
4 h 03 min
